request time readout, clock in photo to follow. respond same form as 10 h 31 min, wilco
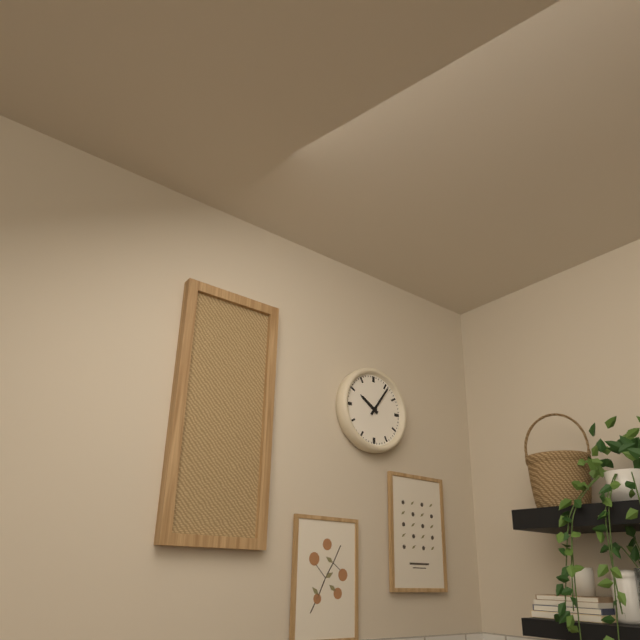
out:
10 h 06 min
